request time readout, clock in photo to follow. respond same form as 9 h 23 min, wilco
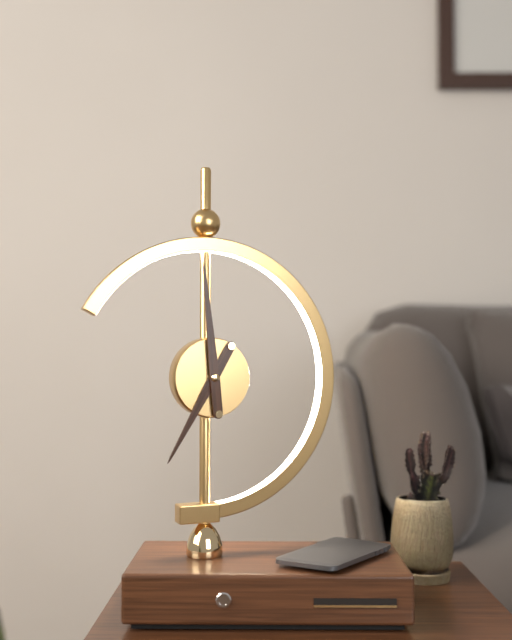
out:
6 h 59 min
